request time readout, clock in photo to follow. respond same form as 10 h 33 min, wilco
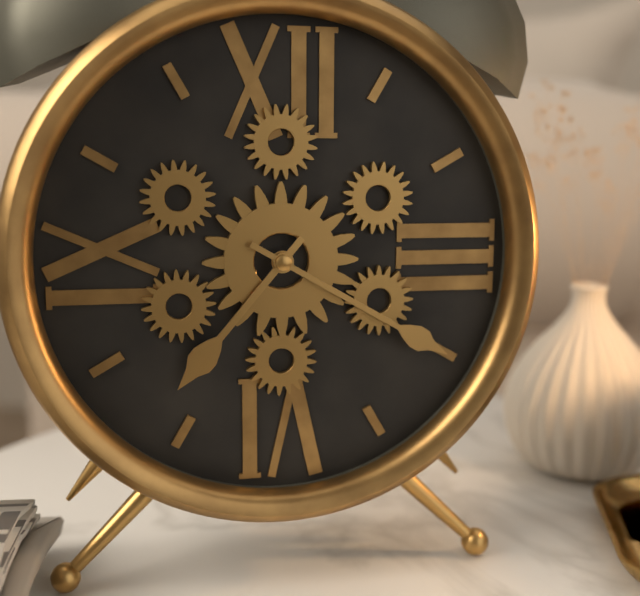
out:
7 h 20 min
